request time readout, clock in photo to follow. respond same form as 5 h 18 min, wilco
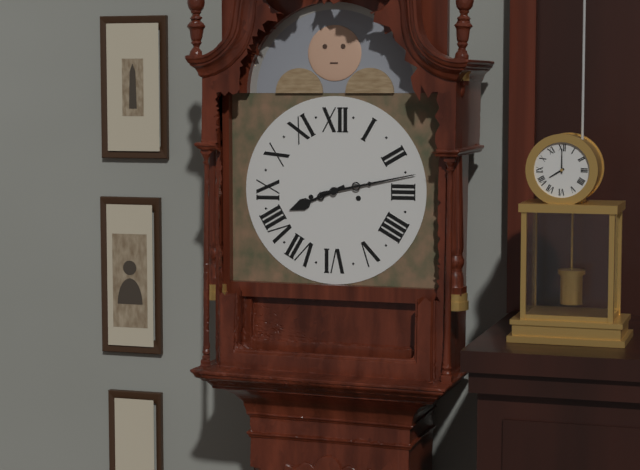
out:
8 h 13 min
